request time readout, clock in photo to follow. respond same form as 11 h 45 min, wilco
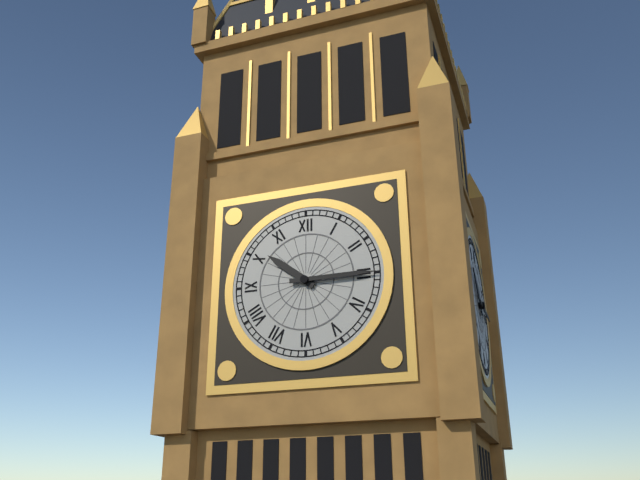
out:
10 h 15 min
